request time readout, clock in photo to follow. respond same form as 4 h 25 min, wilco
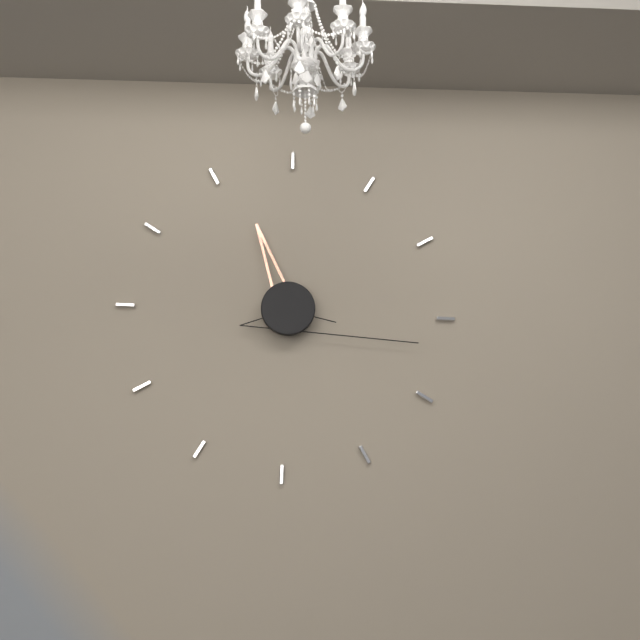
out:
11 h 17 min
